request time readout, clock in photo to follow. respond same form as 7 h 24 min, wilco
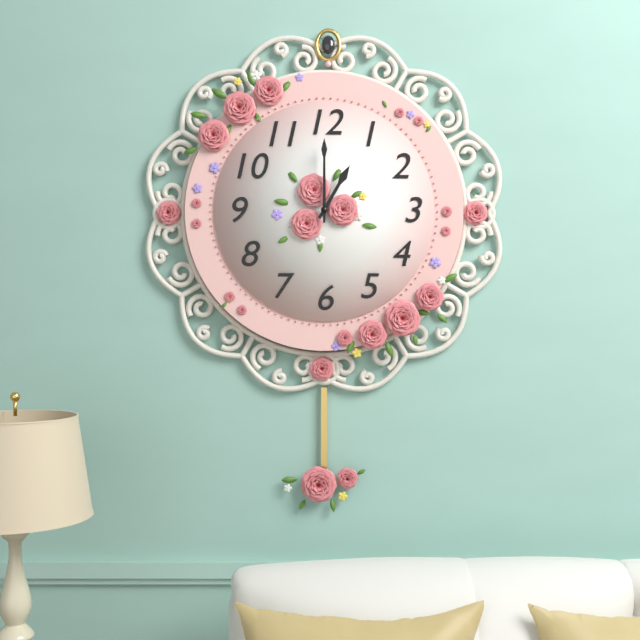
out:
1 h 00 min
